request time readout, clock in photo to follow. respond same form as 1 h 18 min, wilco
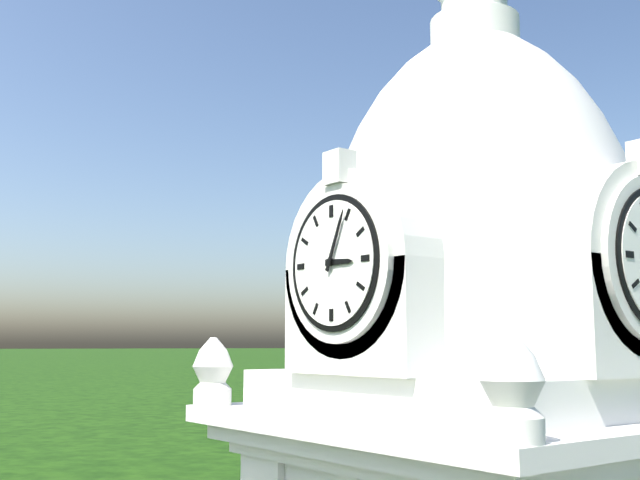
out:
3 h 04 min
